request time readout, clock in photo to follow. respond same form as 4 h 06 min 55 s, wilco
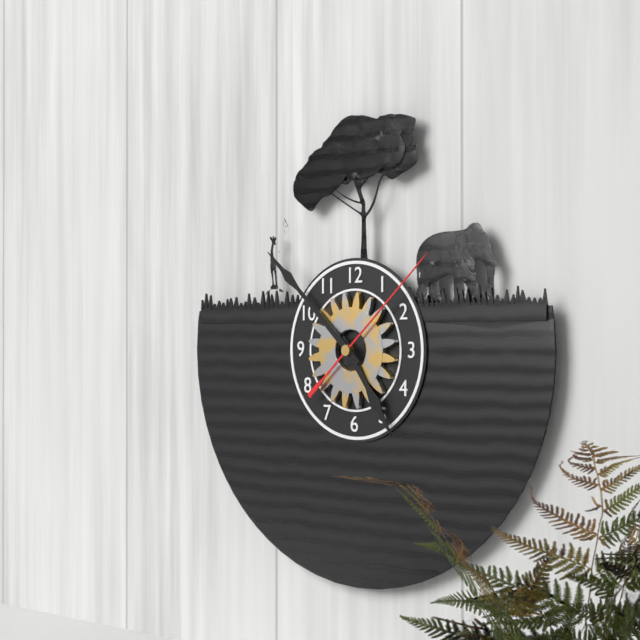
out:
4 h 52 min 08 s
